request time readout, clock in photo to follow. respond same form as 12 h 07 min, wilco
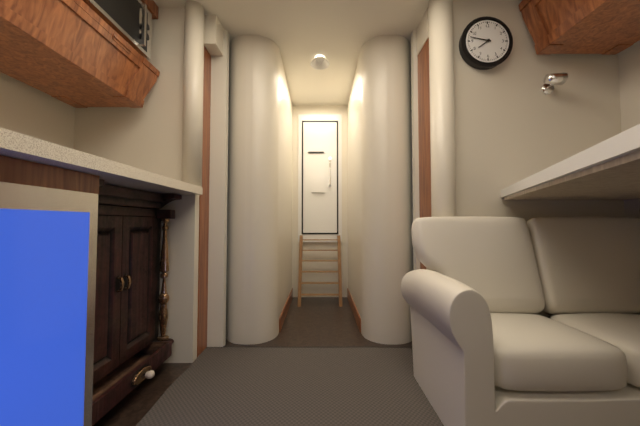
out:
7 h 47 min
